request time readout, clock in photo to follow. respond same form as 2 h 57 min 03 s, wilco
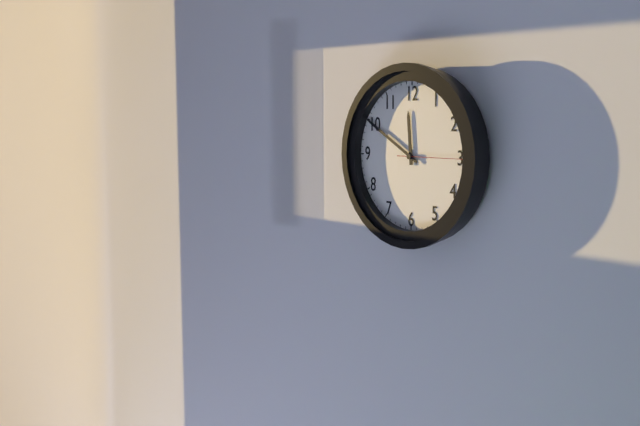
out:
11 h 50 min 15 s
